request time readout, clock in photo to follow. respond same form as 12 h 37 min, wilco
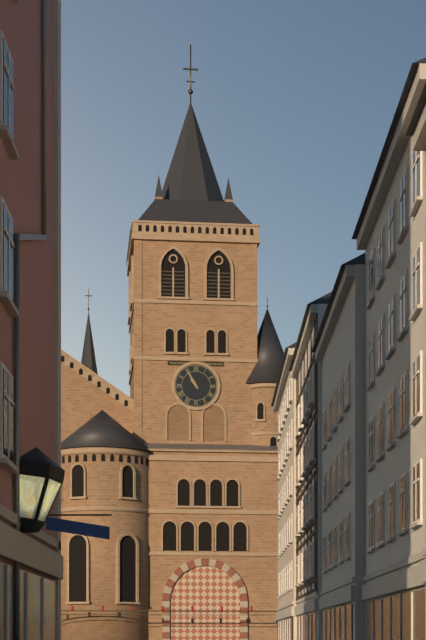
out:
10 h 55 min
